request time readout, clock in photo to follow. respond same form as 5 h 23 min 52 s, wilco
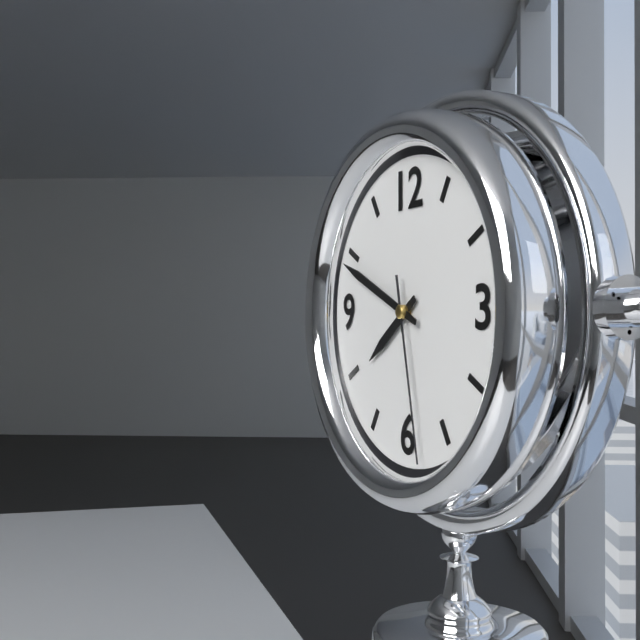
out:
7 h 49 min 28 s
